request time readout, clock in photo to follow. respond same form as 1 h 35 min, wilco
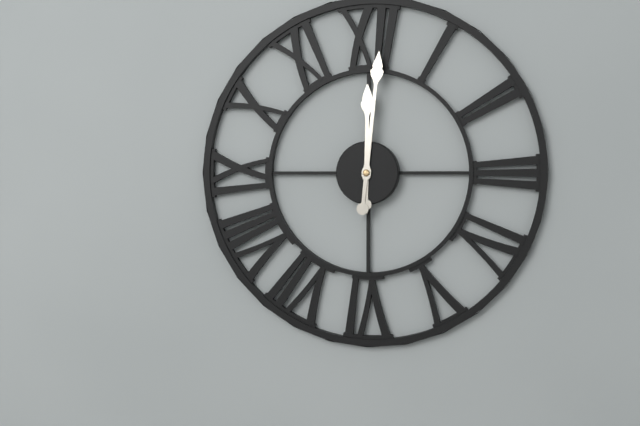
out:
12 h 01 min
